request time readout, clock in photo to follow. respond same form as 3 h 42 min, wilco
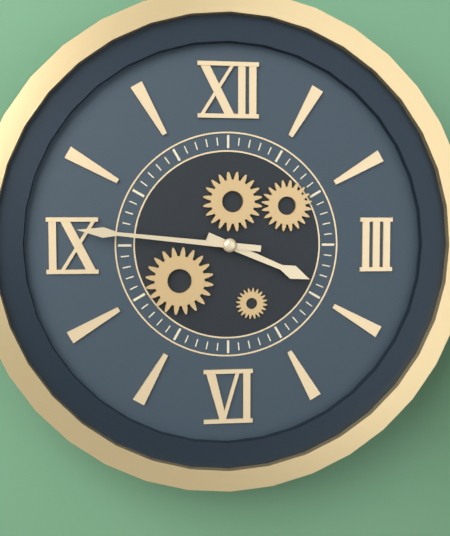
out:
3 h 46 min
